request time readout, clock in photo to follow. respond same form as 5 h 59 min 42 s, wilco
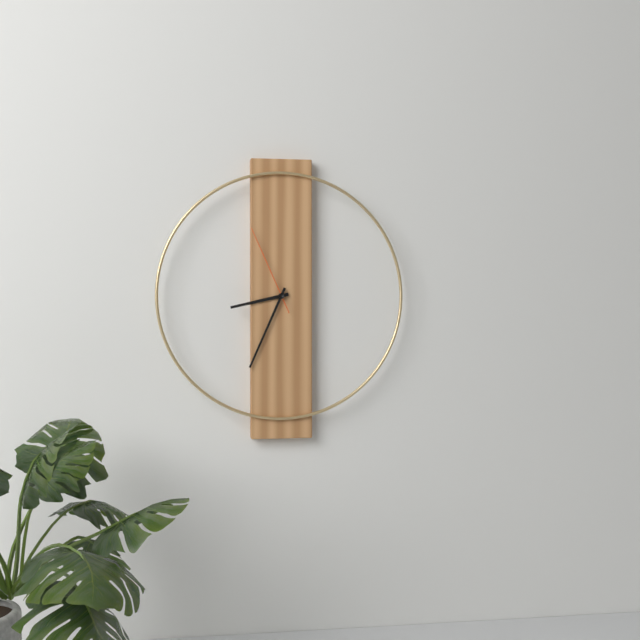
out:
8 h 34 min 56 s
